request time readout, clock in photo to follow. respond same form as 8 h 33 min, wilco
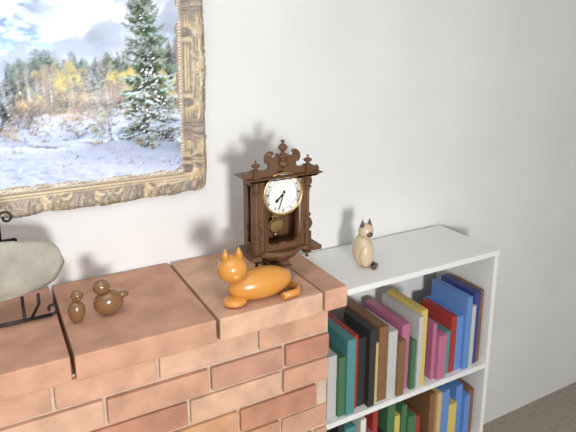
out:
7 h 33 min
